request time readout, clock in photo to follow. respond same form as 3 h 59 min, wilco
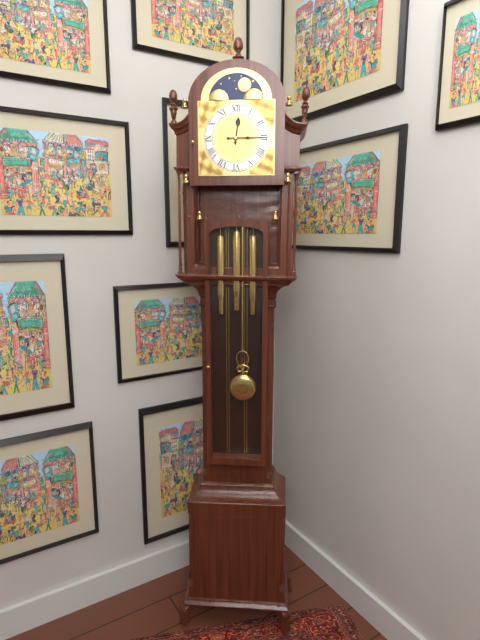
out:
12 h 15 min
